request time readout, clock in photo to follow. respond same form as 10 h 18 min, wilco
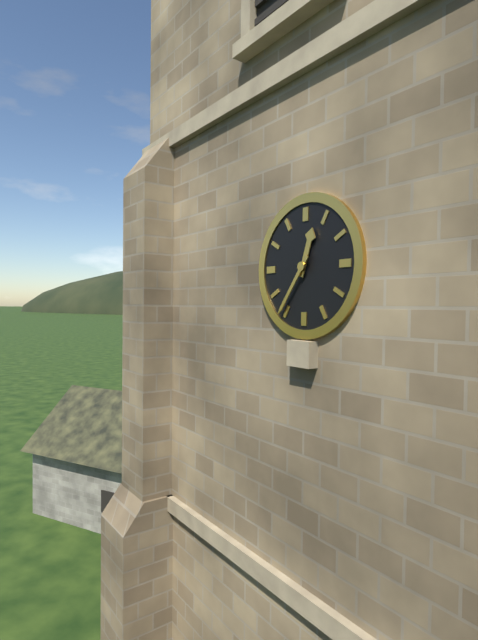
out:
12 h 36 min
